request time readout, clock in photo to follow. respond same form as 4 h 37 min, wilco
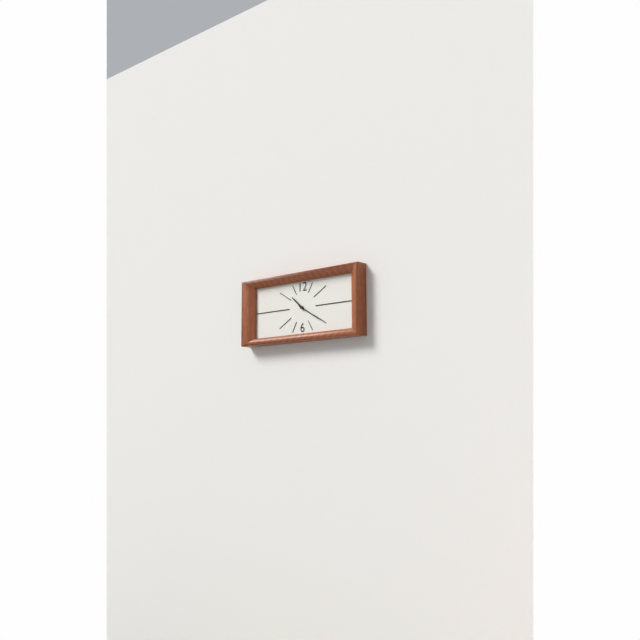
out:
10 h 20 min
